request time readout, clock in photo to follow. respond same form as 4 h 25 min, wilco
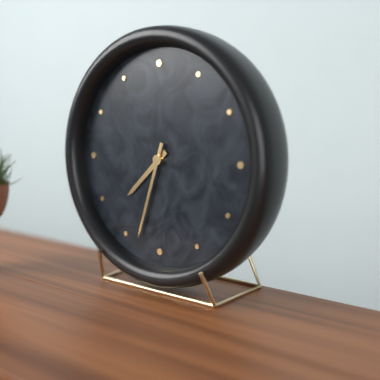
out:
7 h 33 min
